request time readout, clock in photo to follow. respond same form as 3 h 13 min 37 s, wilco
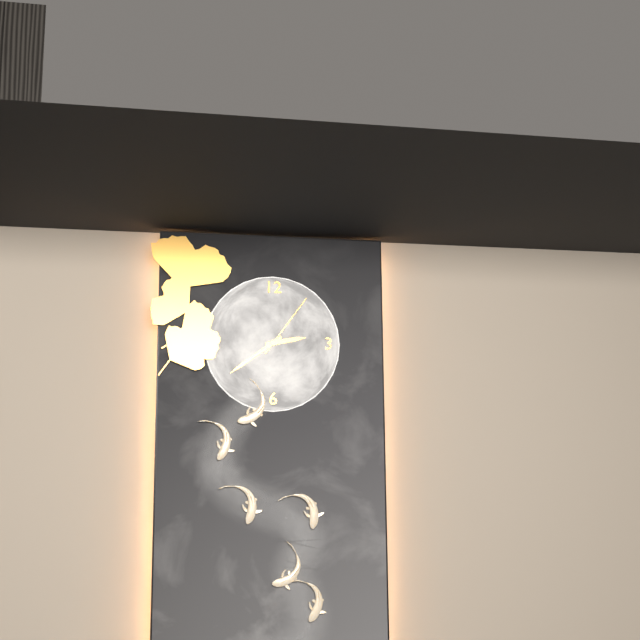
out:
2 h 39 min 06 s
